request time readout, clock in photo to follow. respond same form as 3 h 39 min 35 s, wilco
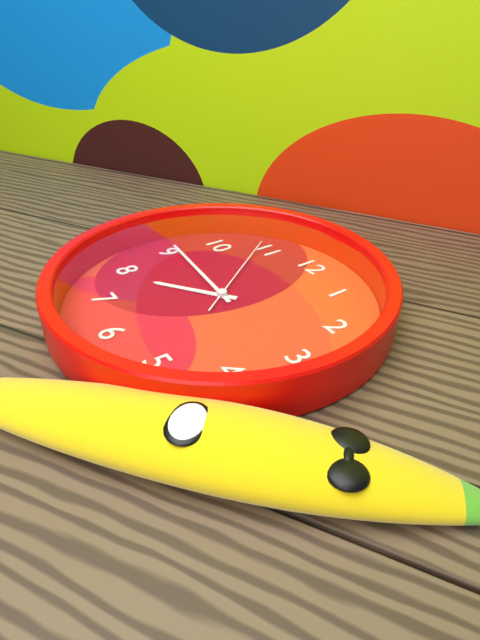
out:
7 h 46 min 54 s
